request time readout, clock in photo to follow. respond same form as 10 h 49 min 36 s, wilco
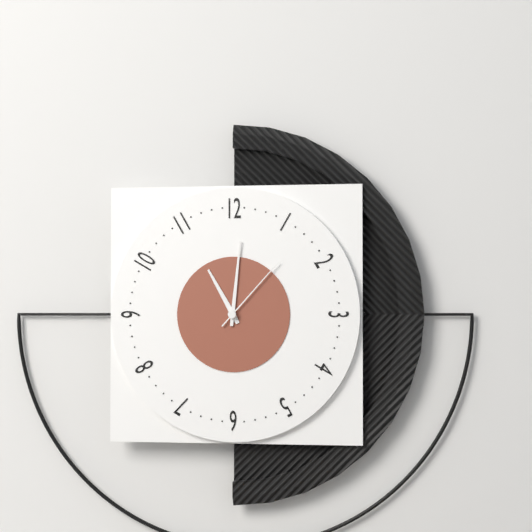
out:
11 h 01 min 07 s
